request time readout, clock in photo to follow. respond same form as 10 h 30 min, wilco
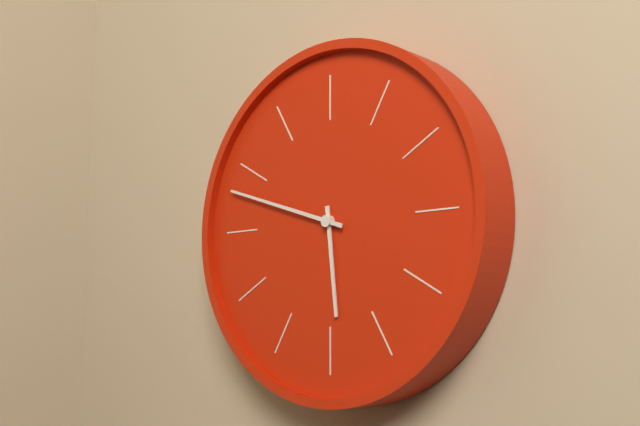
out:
5 h 48 min
